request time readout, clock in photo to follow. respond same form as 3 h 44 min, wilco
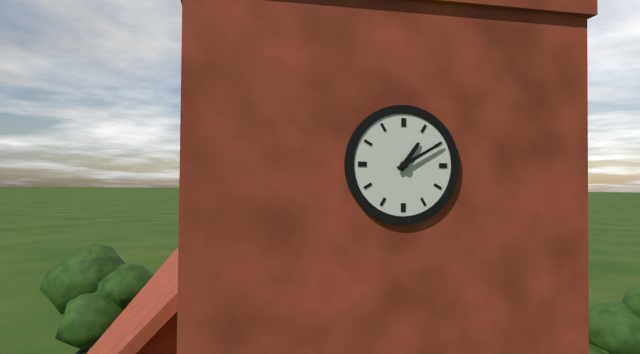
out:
1 h 10 min
